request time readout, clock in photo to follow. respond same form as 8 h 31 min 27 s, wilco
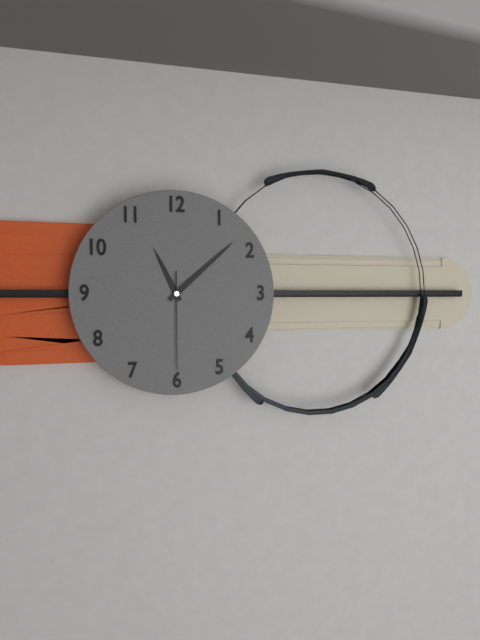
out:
11 h 08 min 30 s
